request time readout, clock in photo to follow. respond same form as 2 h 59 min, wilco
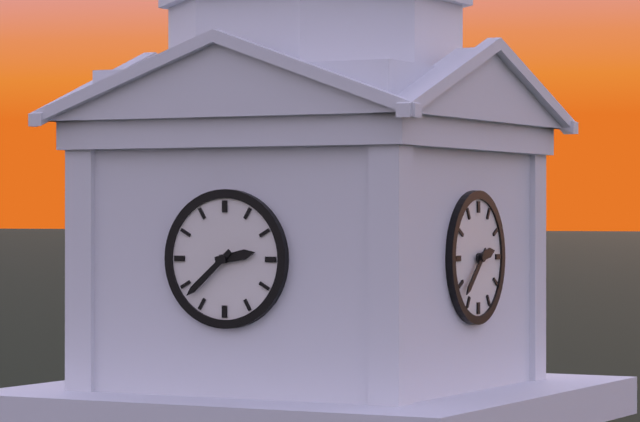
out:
2 h 38 min
